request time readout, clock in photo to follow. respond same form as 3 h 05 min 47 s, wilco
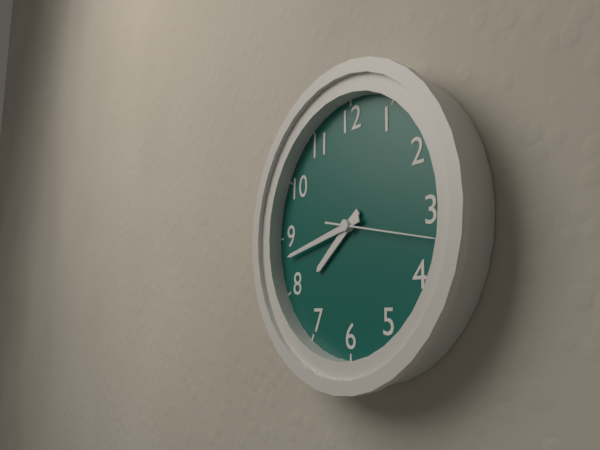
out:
7 h 43 min 17 s
